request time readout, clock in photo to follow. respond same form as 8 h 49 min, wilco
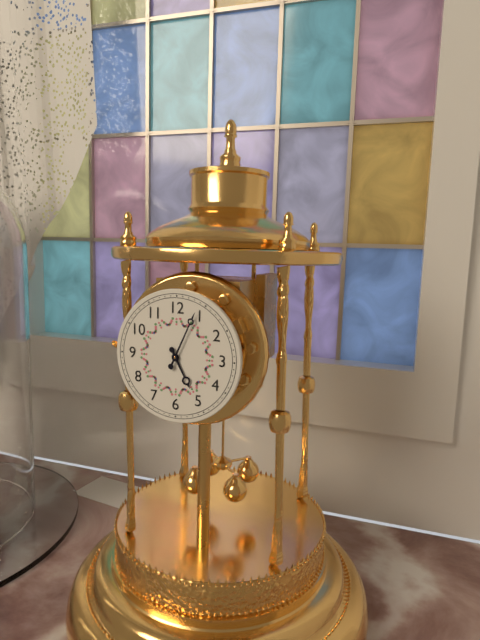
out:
5 h 04 min
